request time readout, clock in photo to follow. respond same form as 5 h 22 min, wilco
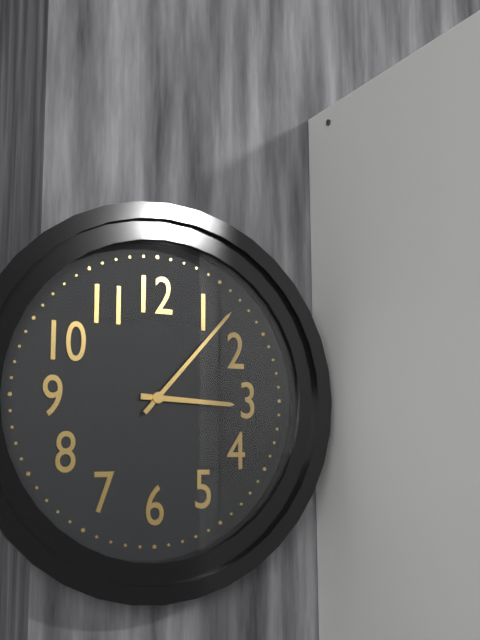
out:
3 h 07 min
